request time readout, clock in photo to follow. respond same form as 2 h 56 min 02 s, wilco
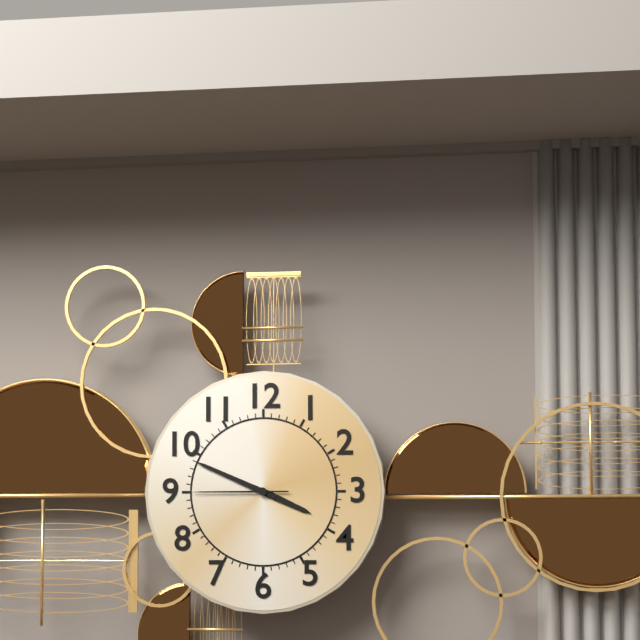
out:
3 h 49 min 45 s
